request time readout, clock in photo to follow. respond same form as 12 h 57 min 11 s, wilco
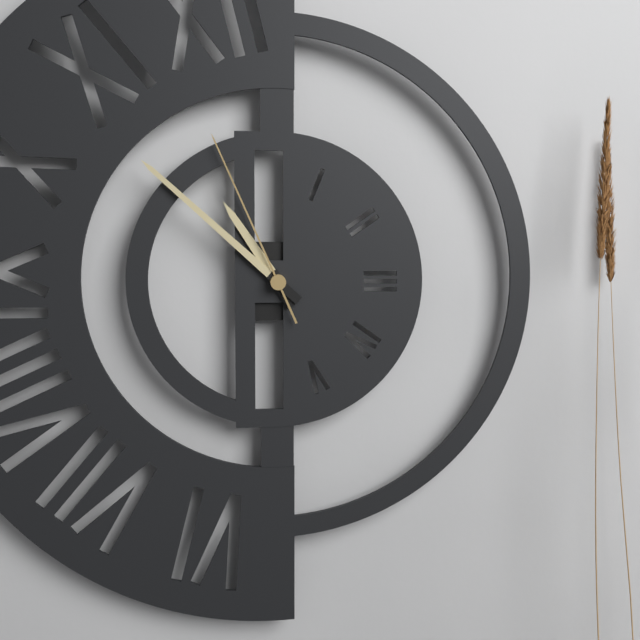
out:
10 h 52 min 56 s
